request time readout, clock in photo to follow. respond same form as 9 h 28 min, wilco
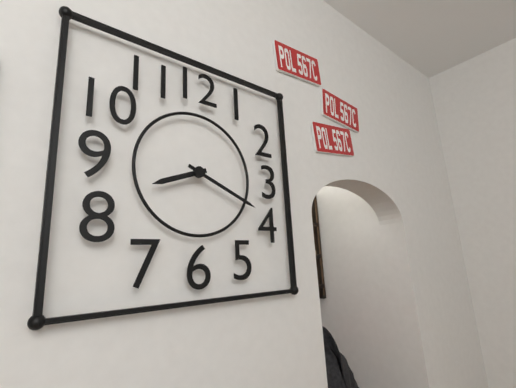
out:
8 h 19 min
